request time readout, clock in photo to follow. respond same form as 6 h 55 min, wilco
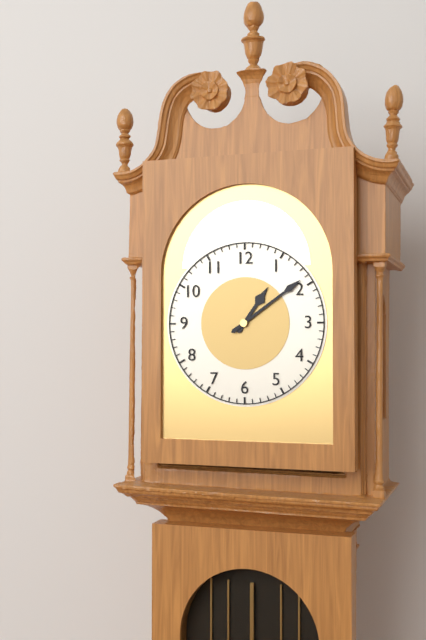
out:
1 h 09 min
